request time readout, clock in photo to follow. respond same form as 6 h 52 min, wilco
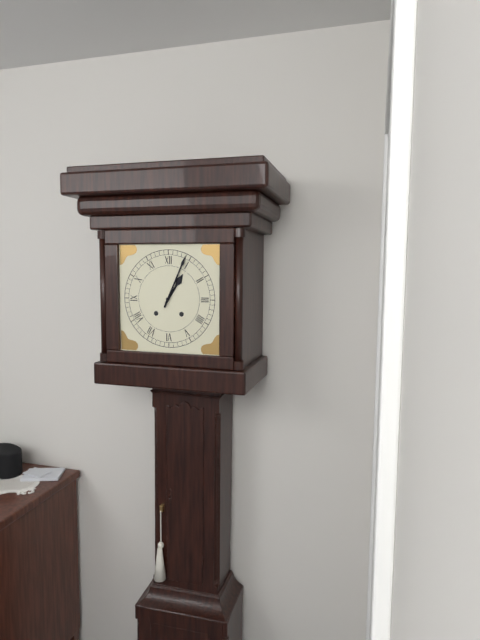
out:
1 h 04 min
